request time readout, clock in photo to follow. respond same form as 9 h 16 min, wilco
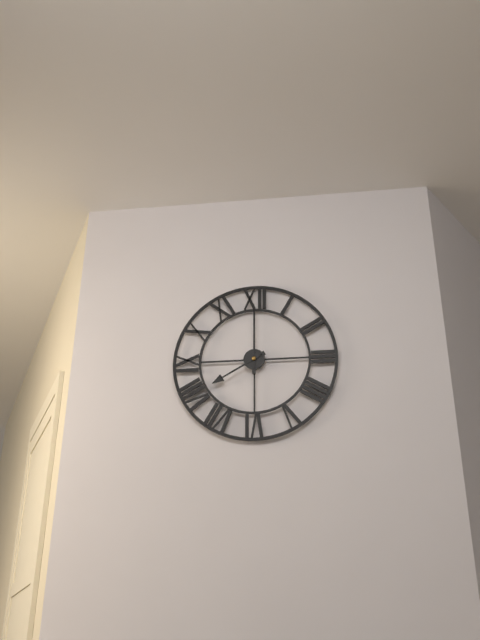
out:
8 h 00 min
